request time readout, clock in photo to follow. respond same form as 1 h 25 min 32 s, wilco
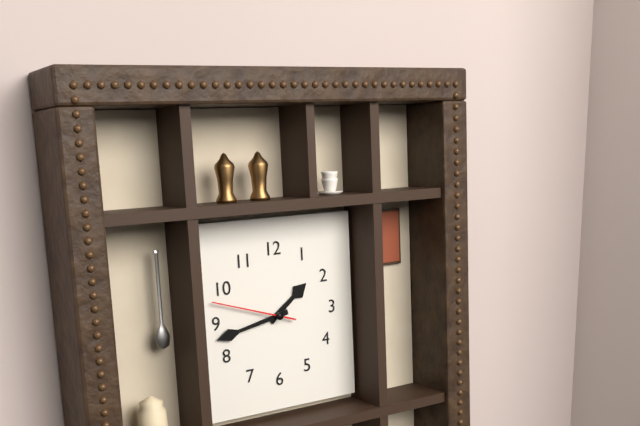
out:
1 h 43 min 48 s
